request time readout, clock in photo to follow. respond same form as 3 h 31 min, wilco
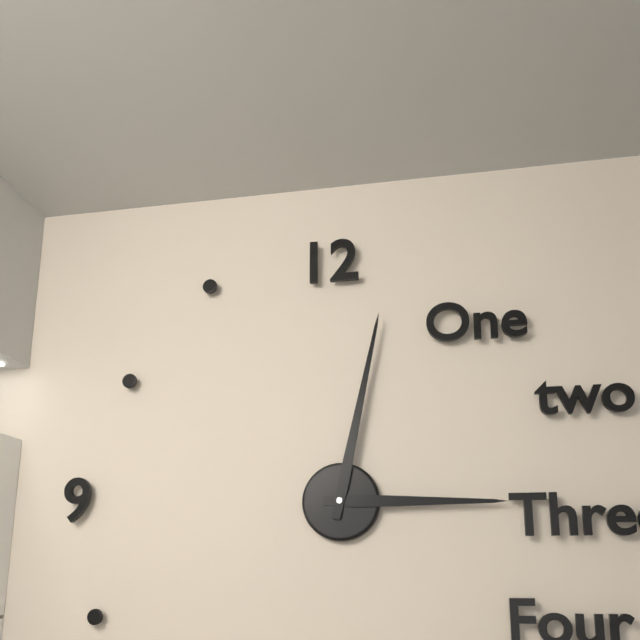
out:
3 h 02 min
